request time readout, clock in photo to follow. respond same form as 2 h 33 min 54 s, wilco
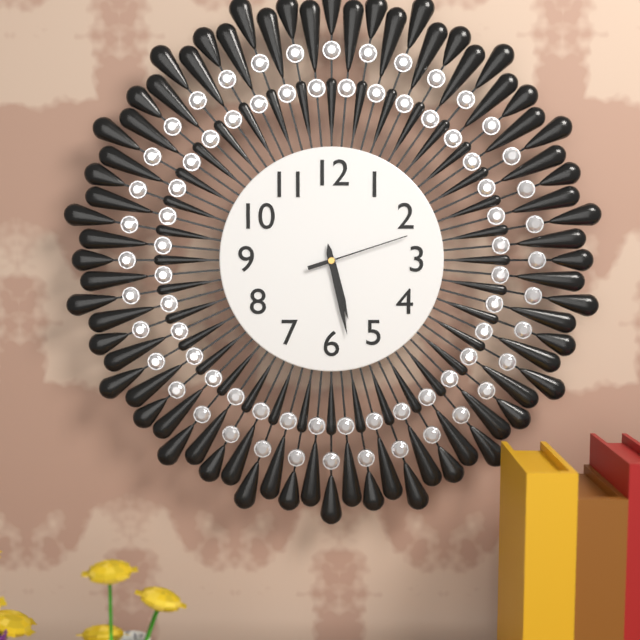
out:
5 h 28 min 12 s
